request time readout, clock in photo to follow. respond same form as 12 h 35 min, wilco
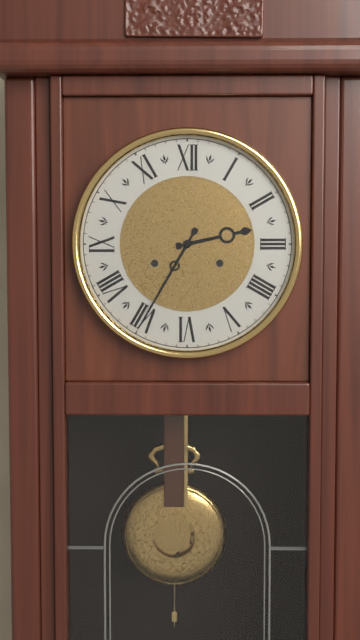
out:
2 h 35 min
